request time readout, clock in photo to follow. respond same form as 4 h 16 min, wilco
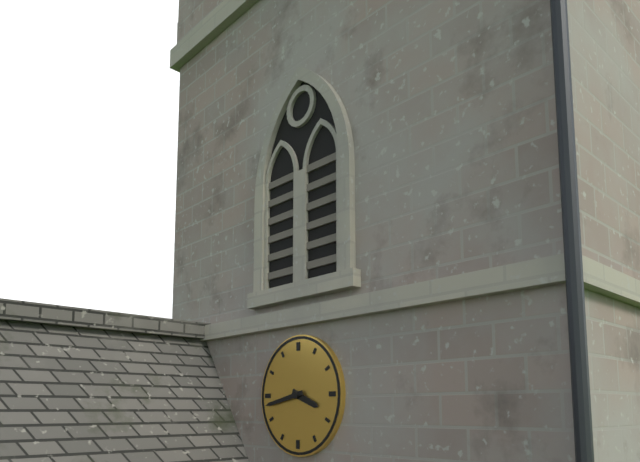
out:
3 h 43 min
